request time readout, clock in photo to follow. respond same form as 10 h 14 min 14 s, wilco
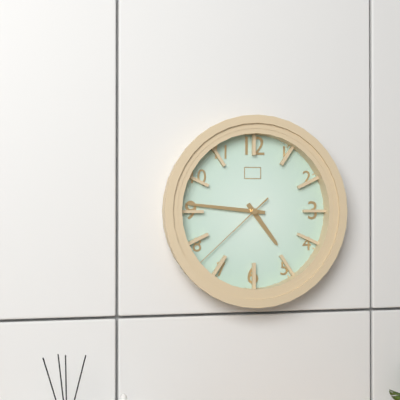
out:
4 h 46 min 38 s
